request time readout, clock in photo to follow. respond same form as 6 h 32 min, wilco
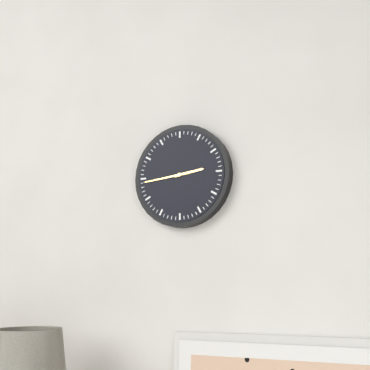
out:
2 h 44 min
